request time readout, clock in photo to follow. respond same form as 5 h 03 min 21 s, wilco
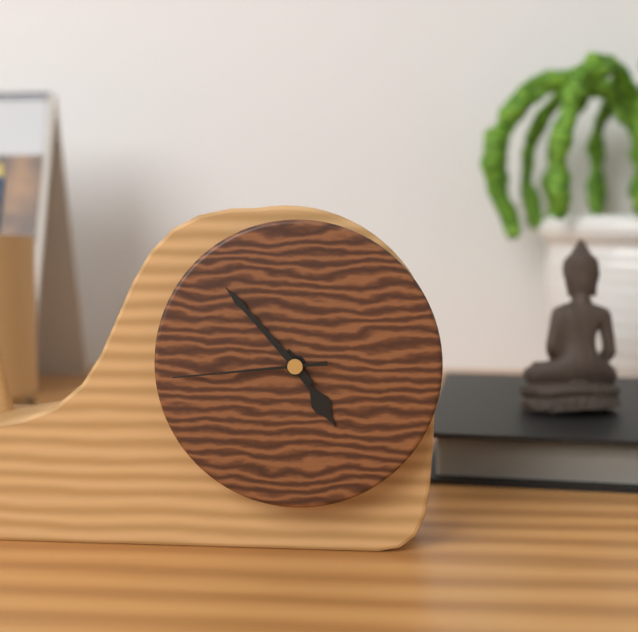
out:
4 h 53 min 44 s
